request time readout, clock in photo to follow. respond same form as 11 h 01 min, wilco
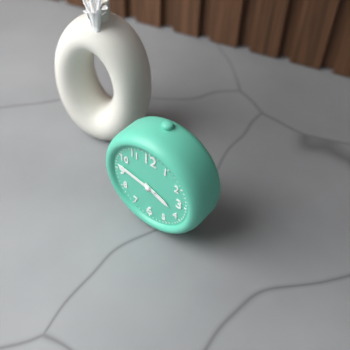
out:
3 h 47 min
